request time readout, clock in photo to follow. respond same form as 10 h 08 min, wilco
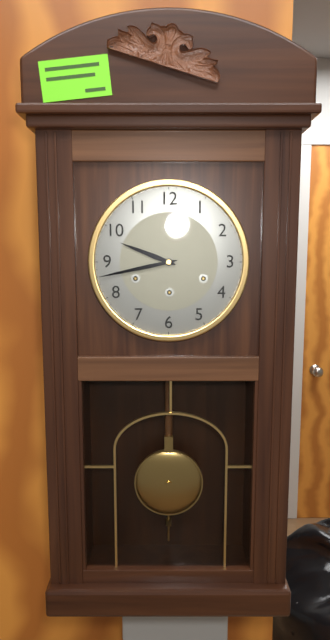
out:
9 h 43 min
